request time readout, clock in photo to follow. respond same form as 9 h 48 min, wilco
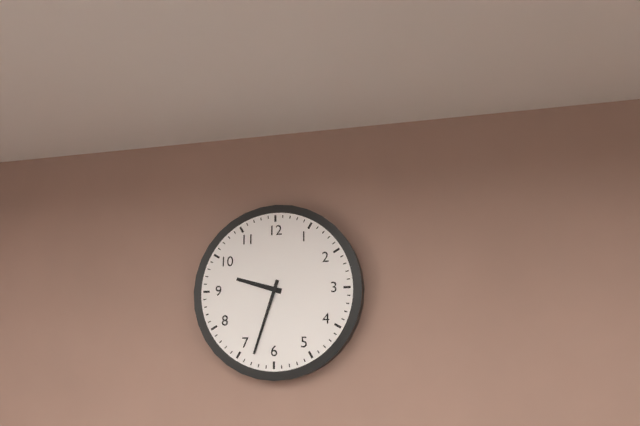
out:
9 h 33 min
